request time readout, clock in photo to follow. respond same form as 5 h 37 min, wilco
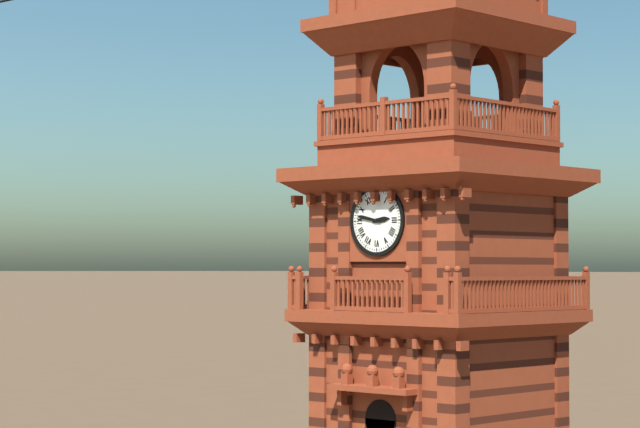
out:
2 h 47 min
